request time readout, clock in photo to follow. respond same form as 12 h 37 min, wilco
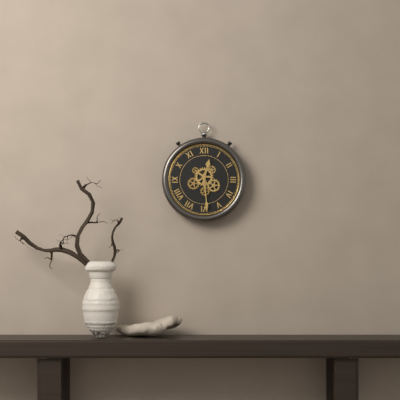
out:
12 h 29 min
